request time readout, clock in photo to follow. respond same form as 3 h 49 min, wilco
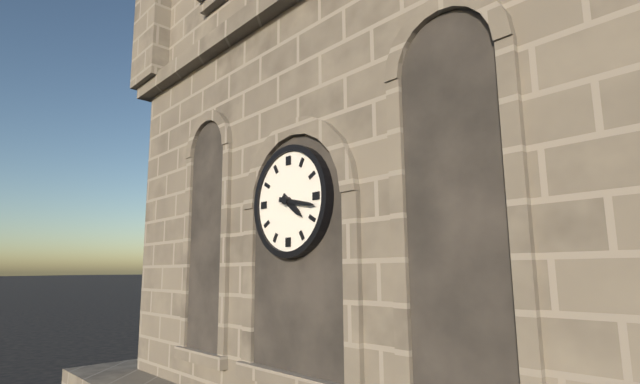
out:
4 h 17 min
